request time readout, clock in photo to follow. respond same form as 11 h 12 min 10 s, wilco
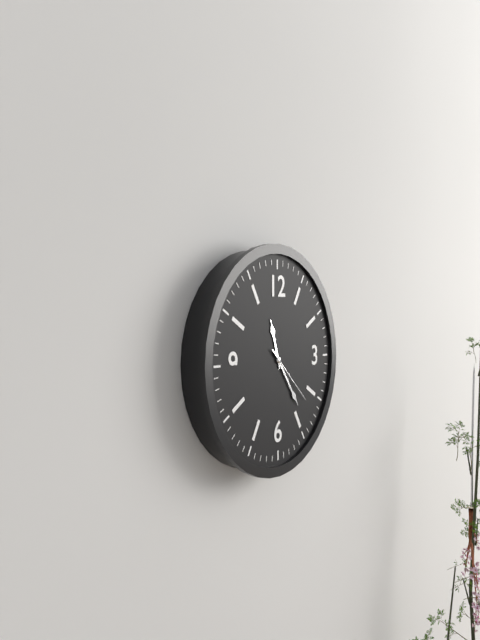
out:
11 h 24 min 22 s
